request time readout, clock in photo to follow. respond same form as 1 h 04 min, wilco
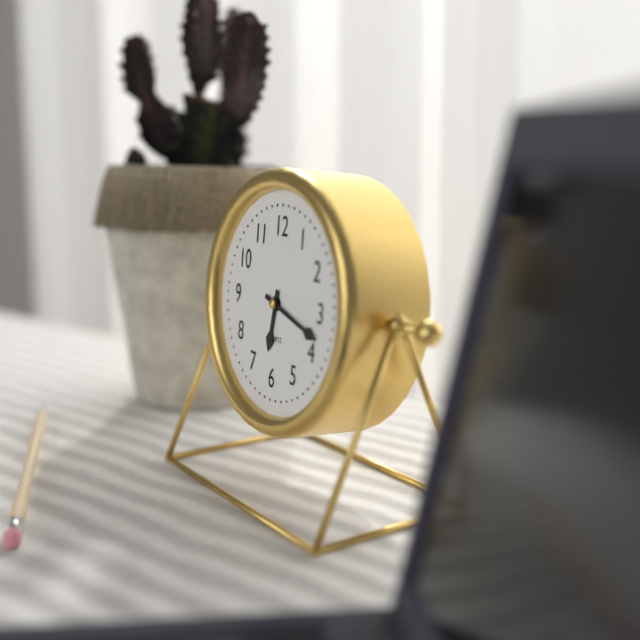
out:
6 h 18 min
